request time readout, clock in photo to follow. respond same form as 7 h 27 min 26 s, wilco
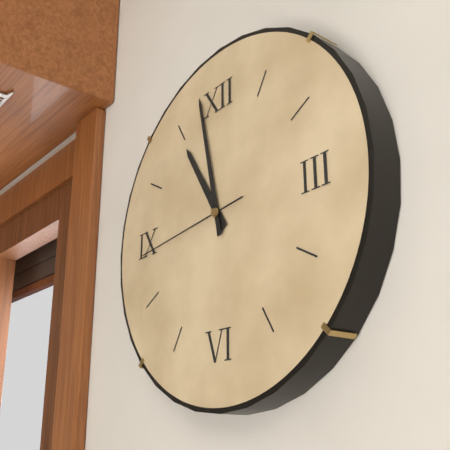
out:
10 h 58 min 44 s
